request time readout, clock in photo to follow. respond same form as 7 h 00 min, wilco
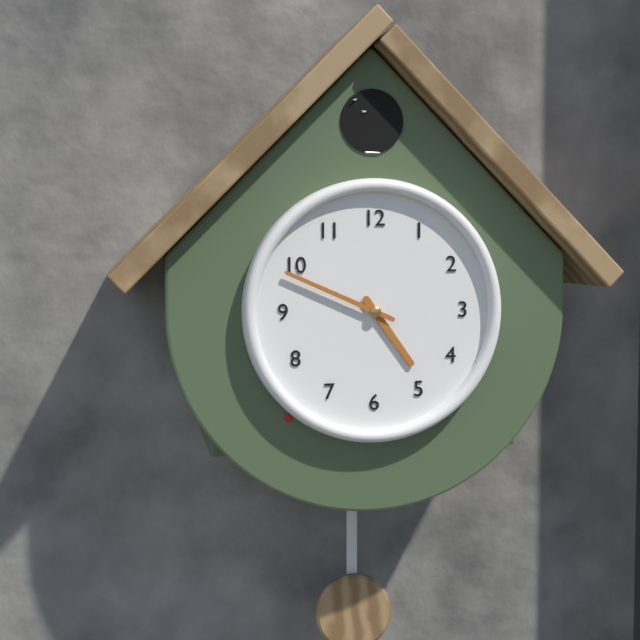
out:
4 h 49 min
